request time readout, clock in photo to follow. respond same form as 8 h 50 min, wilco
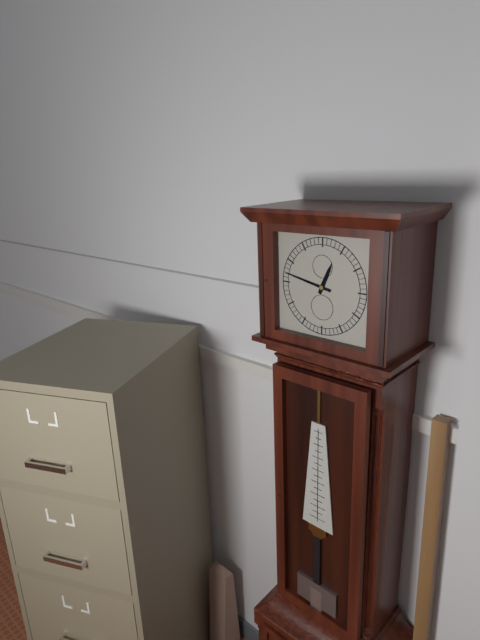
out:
12 h 47 min
